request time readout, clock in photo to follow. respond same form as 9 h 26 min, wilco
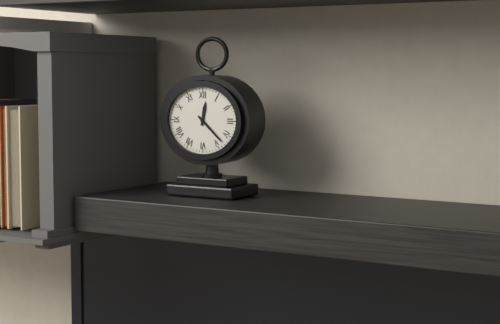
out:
12 h 22 min
